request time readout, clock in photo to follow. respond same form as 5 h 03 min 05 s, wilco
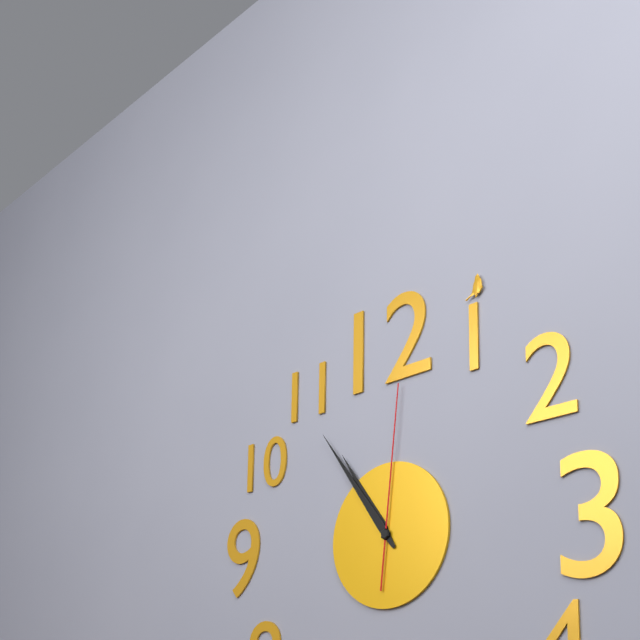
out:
10 h 54 min 01 s
